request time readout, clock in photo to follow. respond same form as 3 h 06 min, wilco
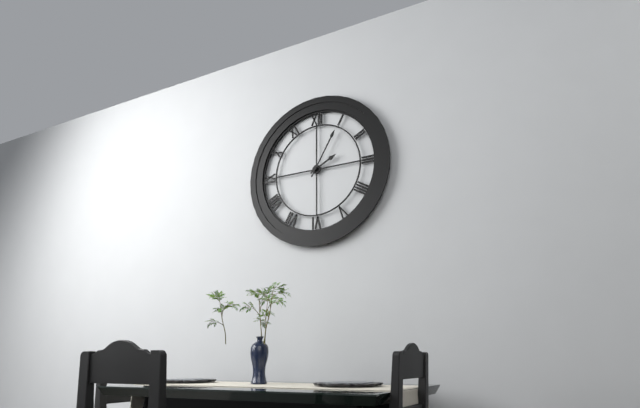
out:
2 h 05 min
